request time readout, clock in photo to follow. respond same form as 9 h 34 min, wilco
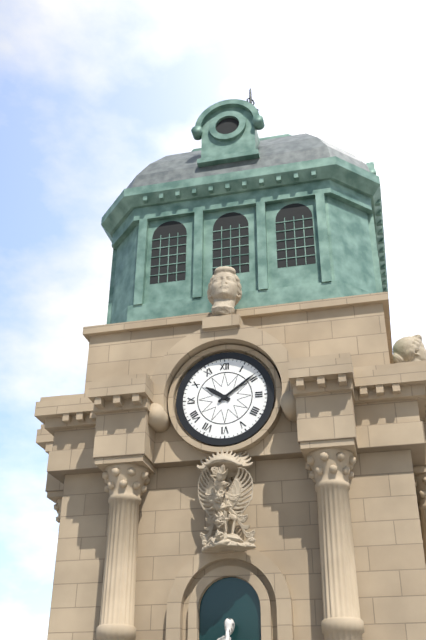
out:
10 h 09 min
